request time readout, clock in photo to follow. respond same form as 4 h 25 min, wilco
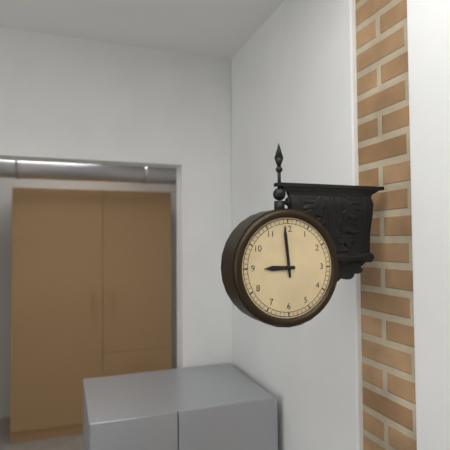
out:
8 h 59 min
